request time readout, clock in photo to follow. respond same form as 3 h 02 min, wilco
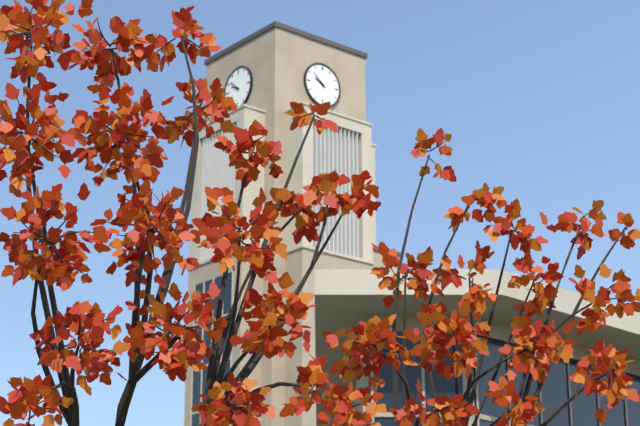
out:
9 h 52 min
